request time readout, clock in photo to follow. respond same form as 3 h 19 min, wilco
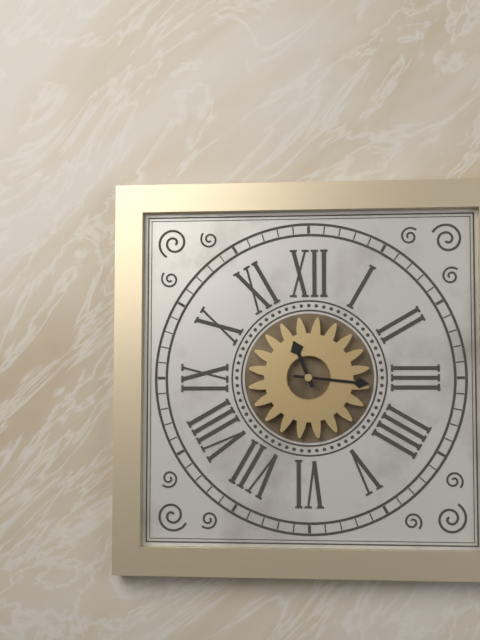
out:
11 h 16 min
